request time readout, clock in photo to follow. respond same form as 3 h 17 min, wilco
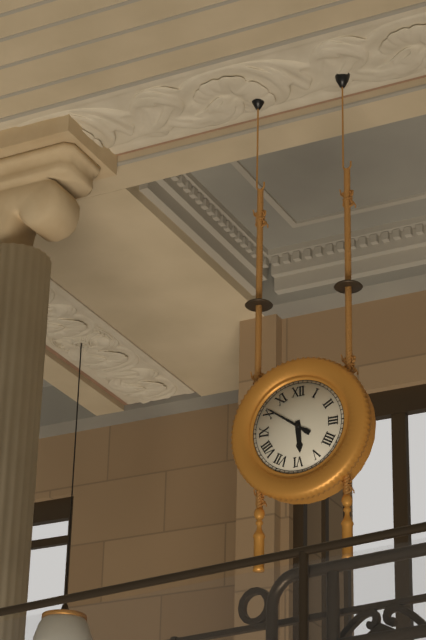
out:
5 h 51 min
